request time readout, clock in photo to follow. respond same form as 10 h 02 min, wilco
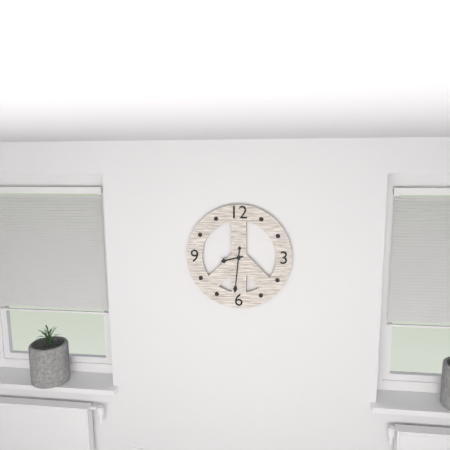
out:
8 h 31 min
